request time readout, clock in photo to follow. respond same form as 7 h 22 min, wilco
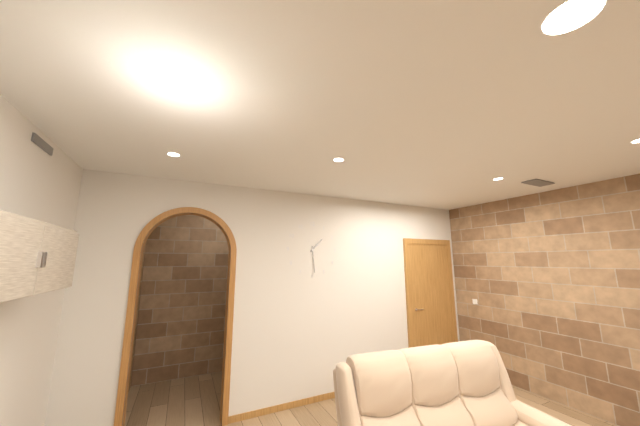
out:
1 h 29 min
